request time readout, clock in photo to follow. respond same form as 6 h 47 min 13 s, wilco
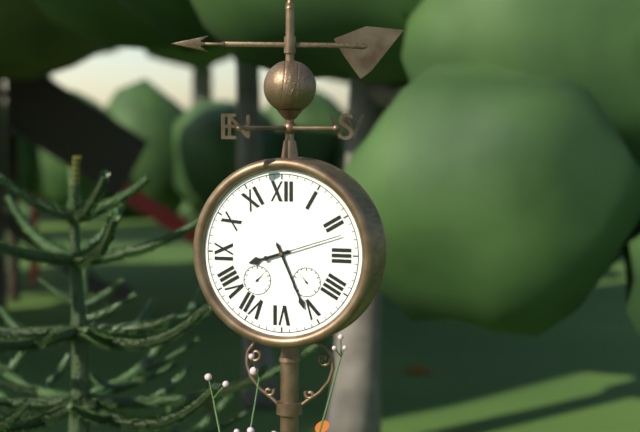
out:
8 h 26 min 12 s
